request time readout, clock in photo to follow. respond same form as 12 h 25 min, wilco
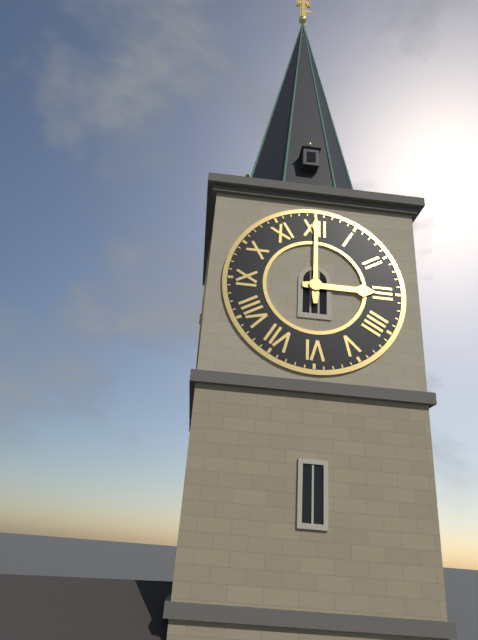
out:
3 h 00 min
